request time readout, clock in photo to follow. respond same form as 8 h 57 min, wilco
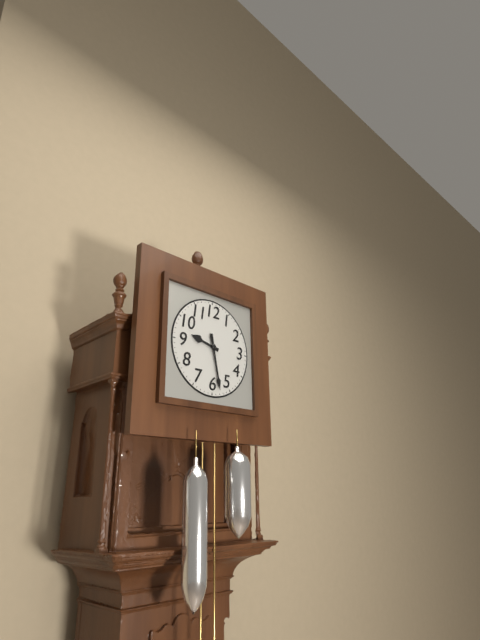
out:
9 h 28 min
